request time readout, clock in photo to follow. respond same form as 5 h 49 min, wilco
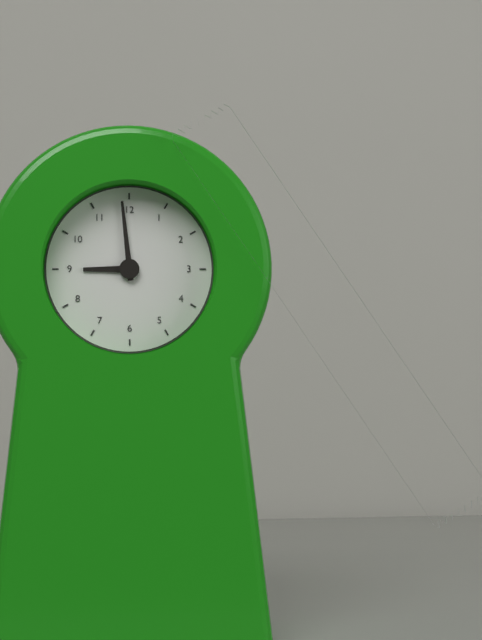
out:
8 h 59 min
